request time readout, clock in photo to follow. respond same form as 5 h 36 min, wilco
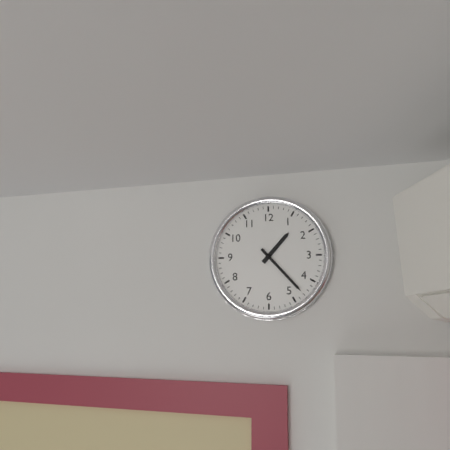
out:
1 h 23 min
